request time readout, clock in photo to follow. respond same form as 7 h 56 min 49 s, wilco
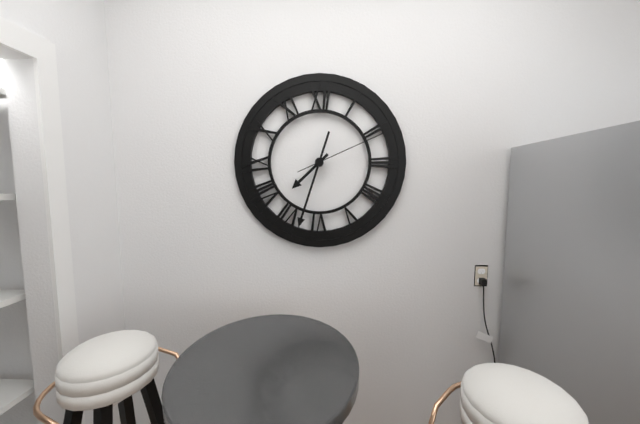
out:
7 h 33 min 11 s
